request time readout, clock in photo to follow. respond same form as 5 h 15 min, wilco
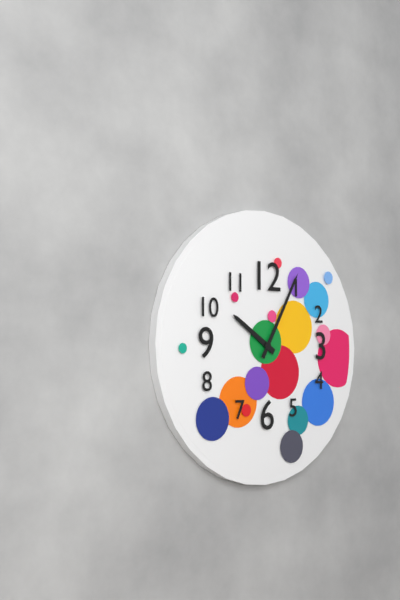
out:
10 h 05 min
